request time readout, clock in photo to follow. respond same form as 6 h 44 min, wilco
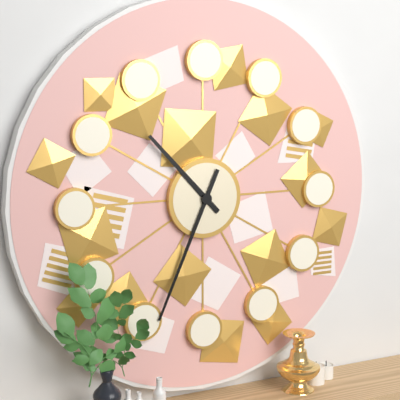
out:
10 h 34 min
